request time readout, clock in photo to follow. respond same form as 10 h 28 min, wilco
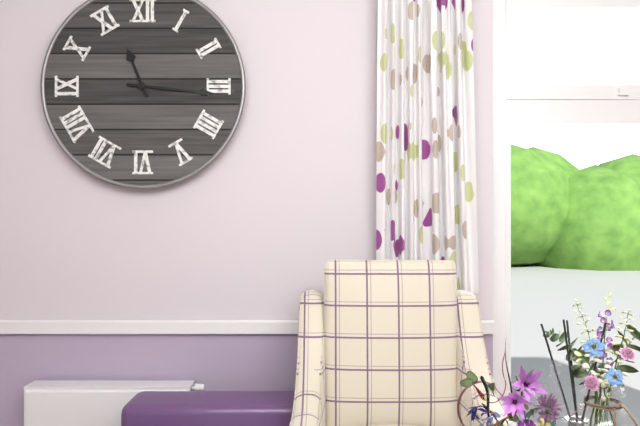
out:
11 h 16 min
